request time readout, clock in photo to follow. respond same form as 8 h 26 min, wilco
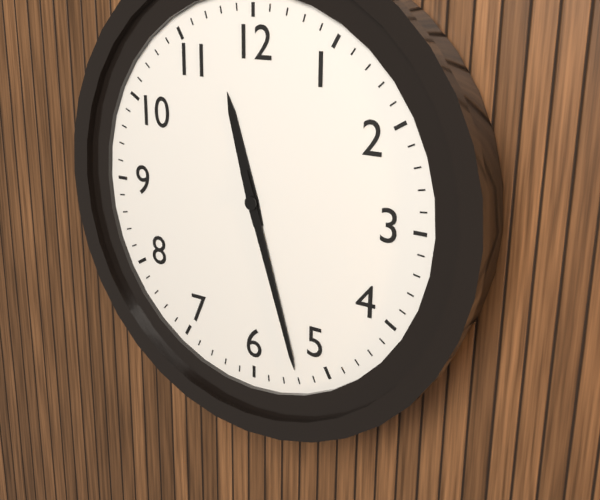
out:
11 h 27 min
